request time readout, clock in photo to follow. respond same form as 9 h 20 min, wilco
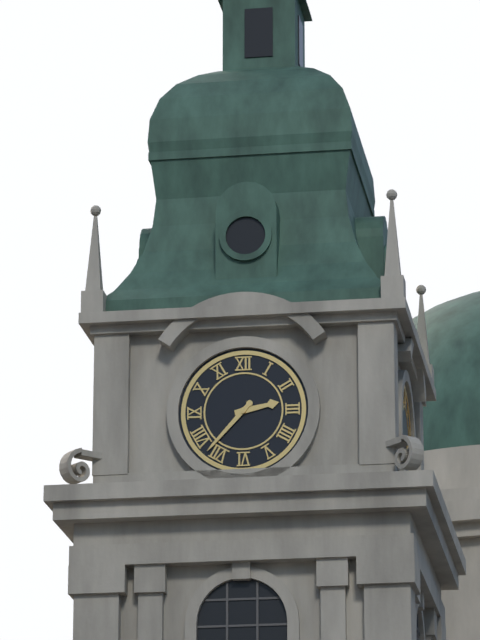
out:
2 h 37 min
